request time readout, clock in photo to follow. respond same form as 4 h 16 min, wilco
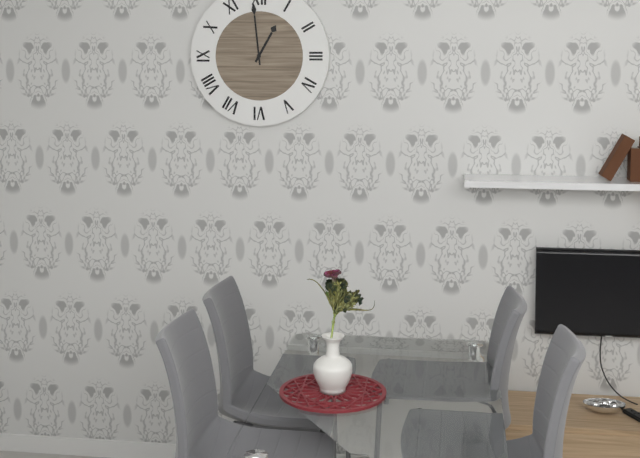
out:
12 h 59 min
